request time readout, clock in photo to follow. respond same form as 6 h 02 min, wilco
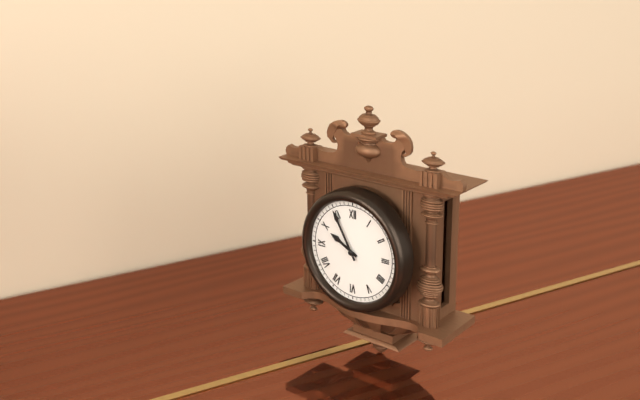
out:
9 h 55 min
